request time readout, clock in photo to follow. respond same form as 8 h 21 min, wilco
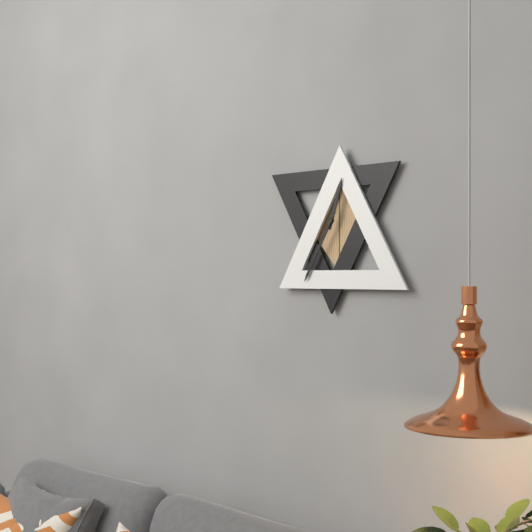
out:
12 h 35 min
